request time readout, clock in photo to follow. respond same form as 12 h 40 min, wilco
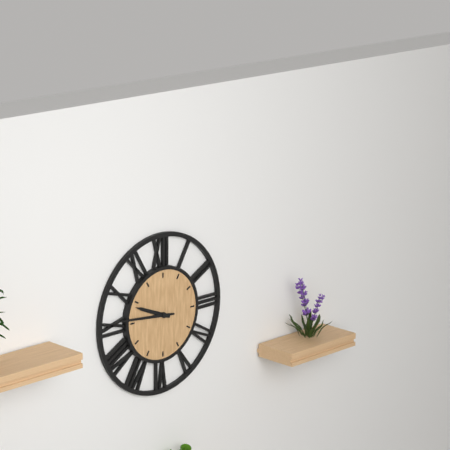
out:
9 h 46 min
